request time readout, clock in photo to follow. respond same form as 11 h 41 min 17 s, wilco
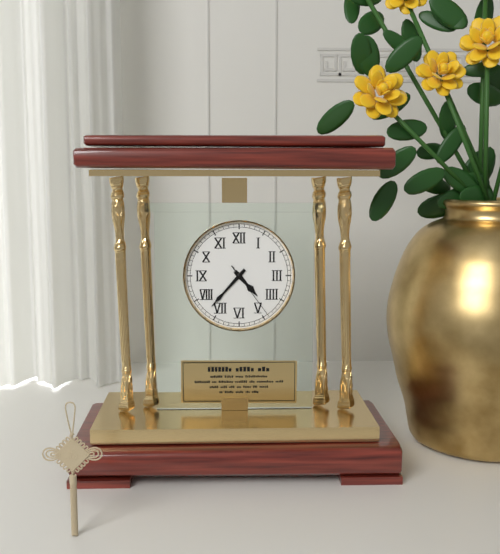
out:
4 h 37 min 24 s
